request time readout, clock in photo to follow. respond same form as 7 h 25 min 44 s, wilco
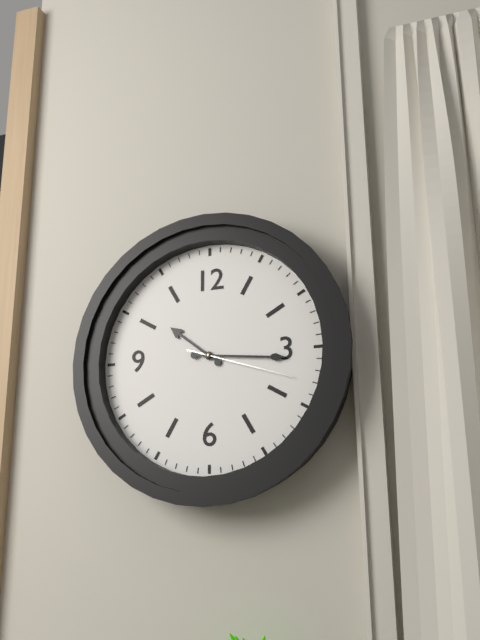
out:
10 h 16 min 18 s
